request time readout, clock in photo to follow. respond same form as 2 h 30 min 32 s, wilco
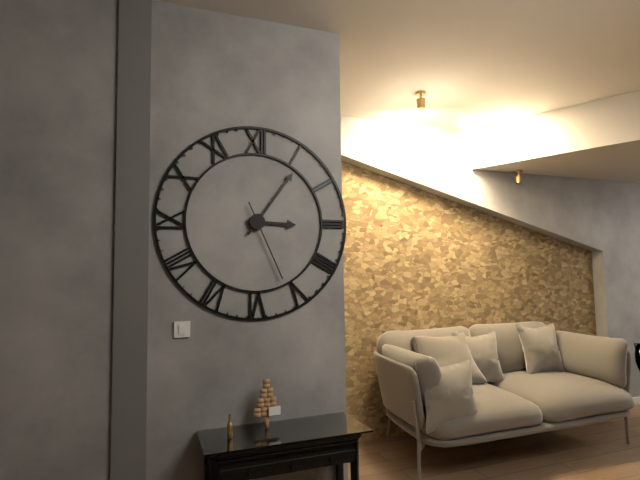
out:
3 h 06 min 26 s
